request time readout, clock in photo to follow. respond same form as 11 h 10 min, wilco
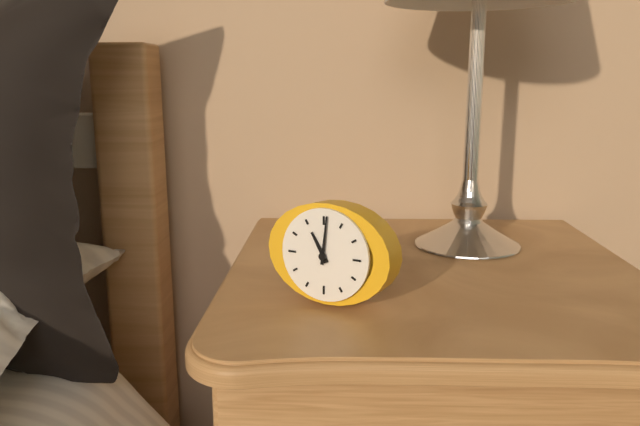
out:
11 h 01 min
